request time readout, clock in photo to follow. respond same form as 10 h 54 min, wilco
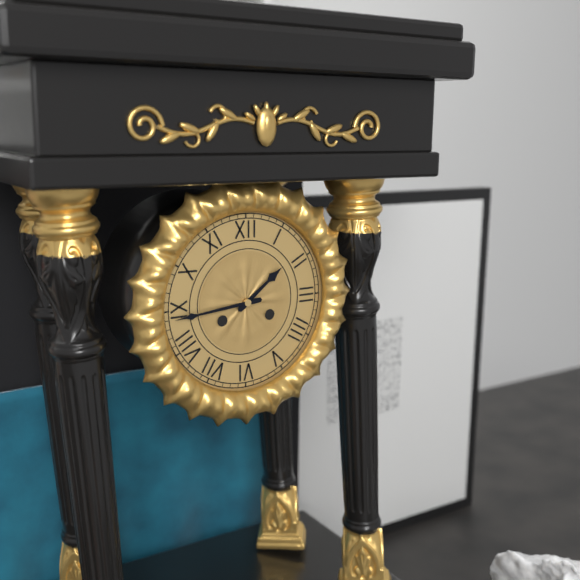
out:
1 h 44 min
